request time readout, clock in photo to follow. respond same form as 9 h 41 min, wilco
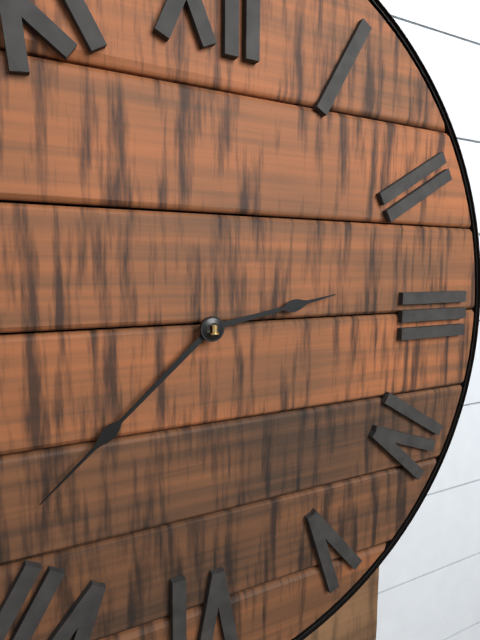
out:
2 h 38 min
